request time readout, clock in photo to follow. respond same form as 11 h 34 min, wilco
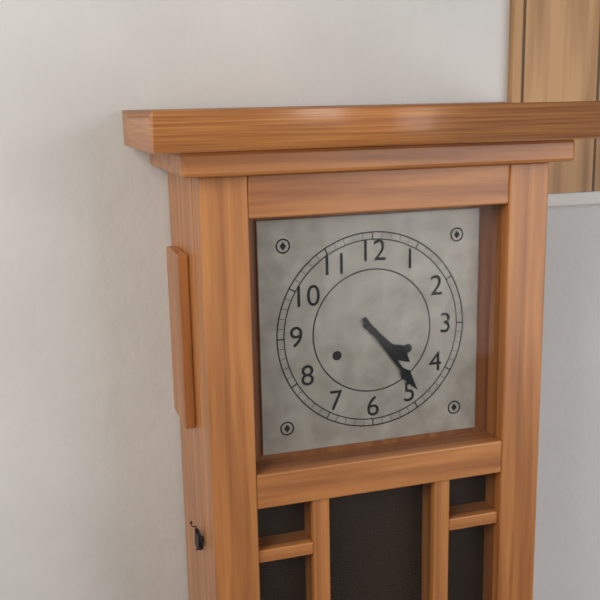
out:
4 h 24 min
